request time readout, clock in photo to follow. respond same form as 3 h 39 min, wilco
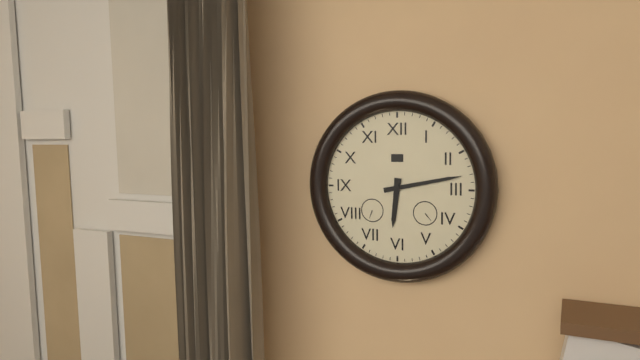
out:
6 h 13 min
